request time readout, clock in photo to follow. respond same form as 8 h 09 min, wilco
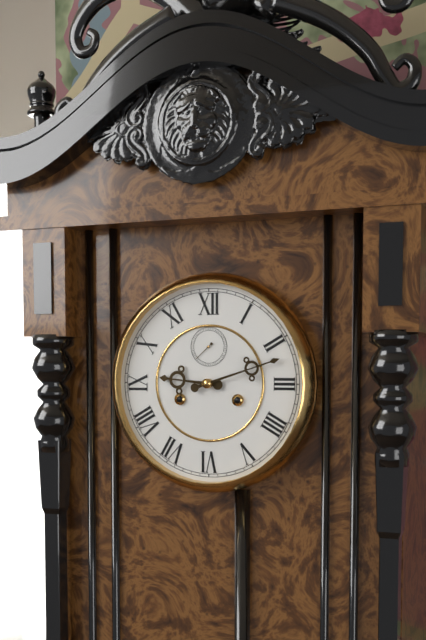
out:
9 h 12 min
